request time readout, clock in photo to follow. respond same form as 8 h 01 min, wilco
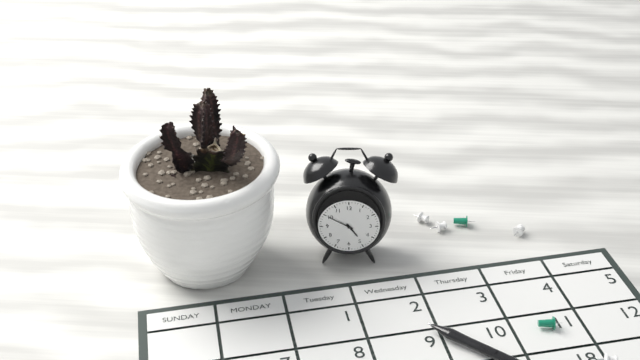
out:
4 h 50 min
